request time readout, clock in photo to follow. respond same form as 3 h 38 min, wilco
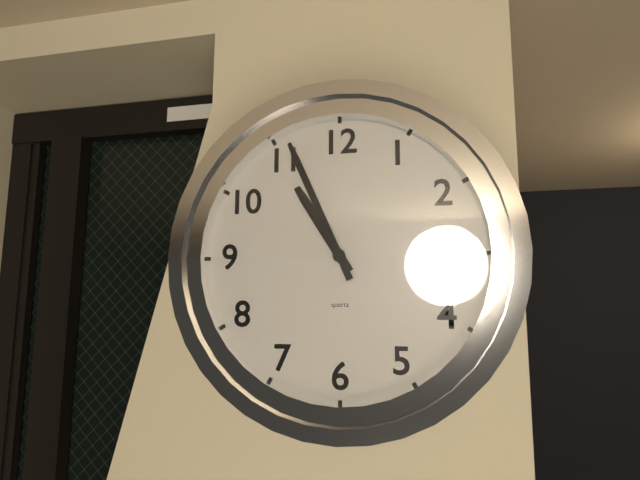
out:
10 h 56 min
